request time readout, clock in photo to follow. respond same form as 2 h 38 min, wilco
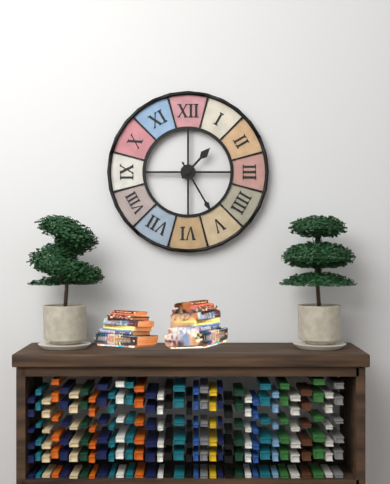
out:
1 h 25 min
